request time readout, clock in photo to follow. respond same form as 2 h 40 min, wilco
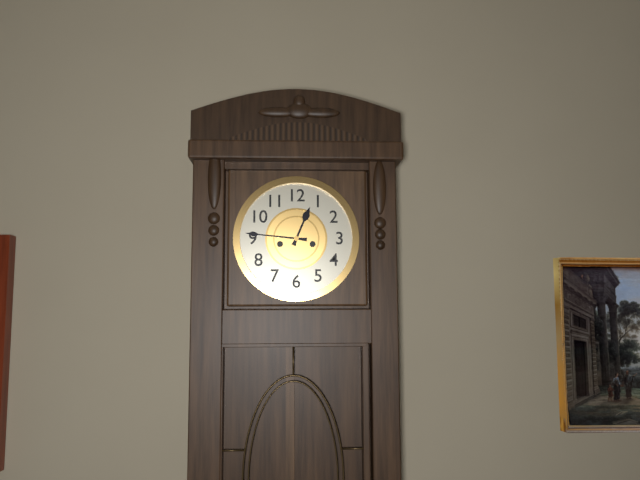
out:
12 h 46 min
